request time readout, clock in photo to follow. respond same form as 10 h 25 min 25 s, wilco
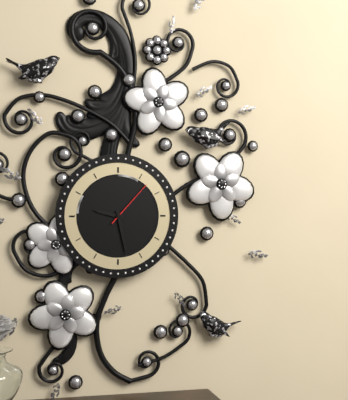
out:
9 h 28 min 07 s
